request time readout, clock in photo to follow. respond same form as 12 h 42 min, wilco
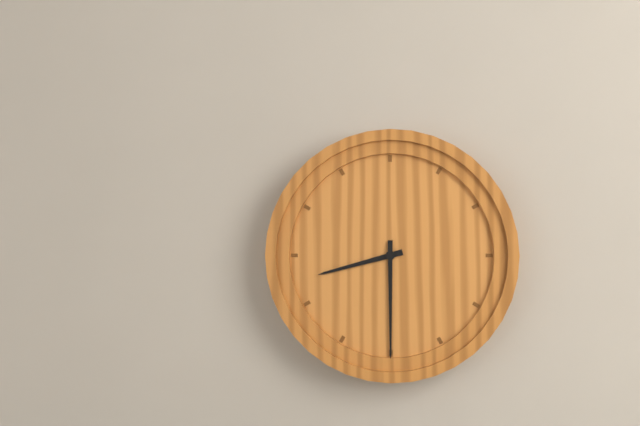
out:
8 h 30 min
